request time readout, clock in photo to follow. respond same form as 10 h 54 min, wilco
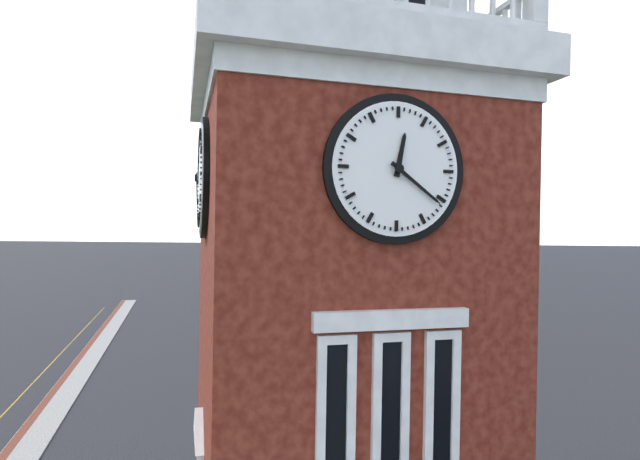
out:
12 h 21 min
